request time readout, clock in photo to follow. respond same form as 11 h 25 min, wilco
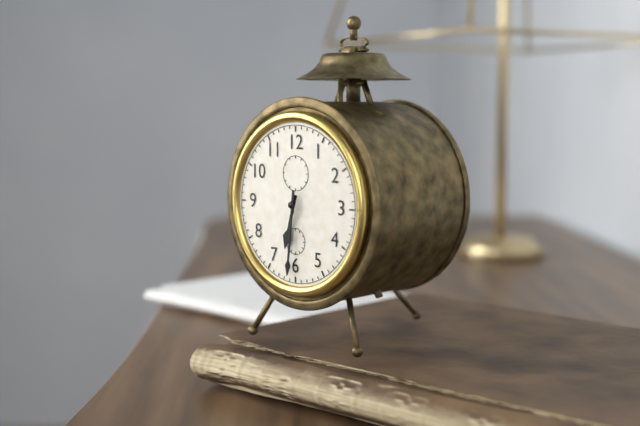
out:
6 h 31 min
